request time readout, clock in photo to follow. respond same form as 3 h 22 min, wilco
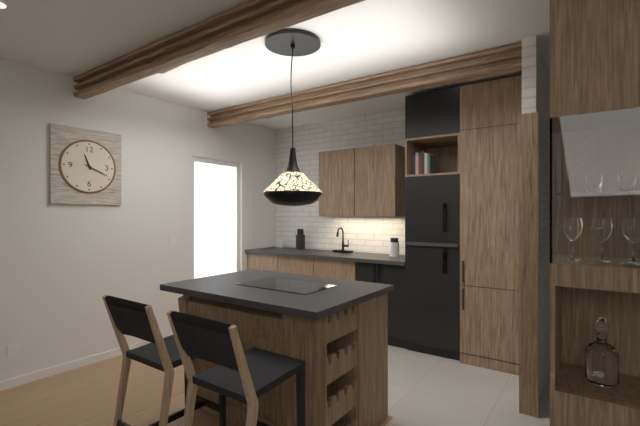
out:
11 h 19 min
